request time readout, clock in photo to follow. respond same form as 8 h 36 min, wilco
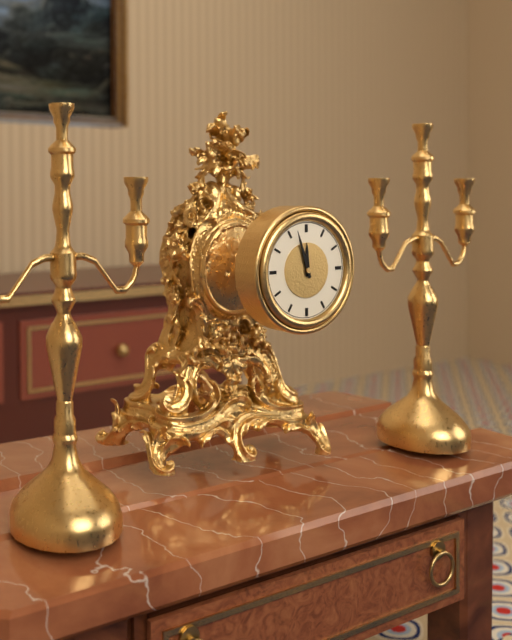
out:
11 h 57 min
